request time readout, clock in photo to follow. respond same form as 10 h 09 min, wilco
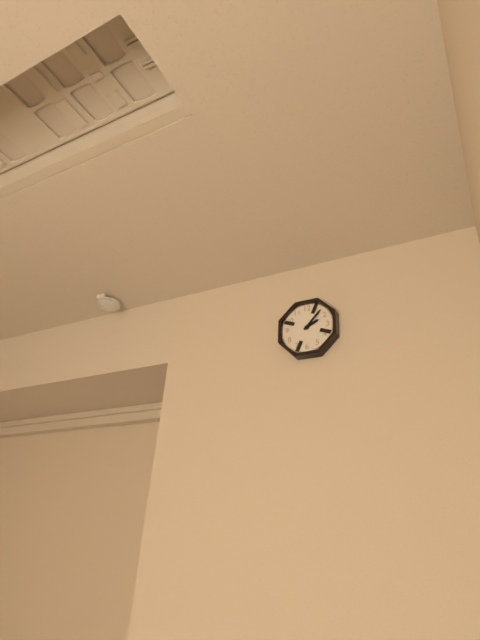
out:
2 h 07 min
